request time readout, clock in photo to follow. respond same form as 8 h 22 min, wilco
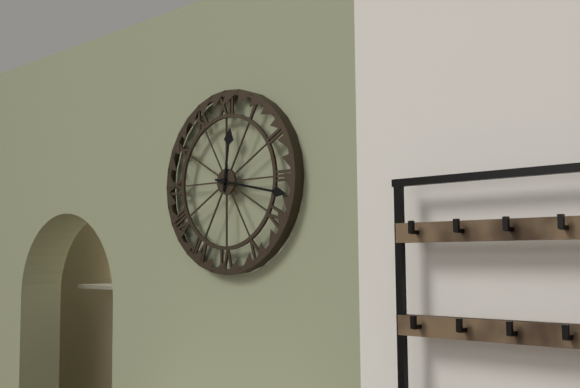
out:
12 h 17 min
